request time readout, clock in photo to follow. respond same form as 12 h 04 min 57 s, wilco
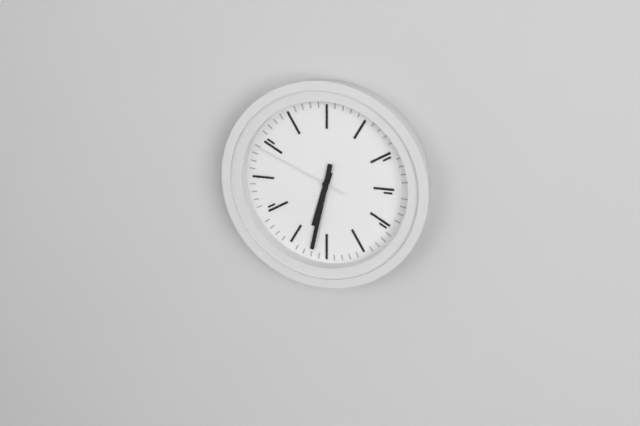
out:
6 h 32 min 49 s
